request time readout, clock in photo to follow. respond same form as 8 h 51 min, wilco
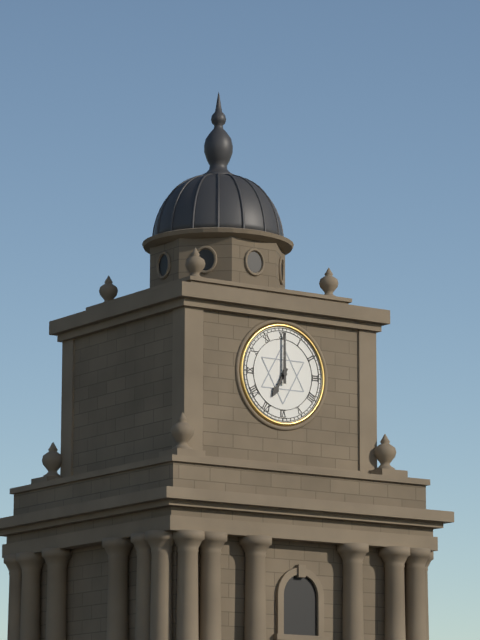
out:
7 h 00 min
